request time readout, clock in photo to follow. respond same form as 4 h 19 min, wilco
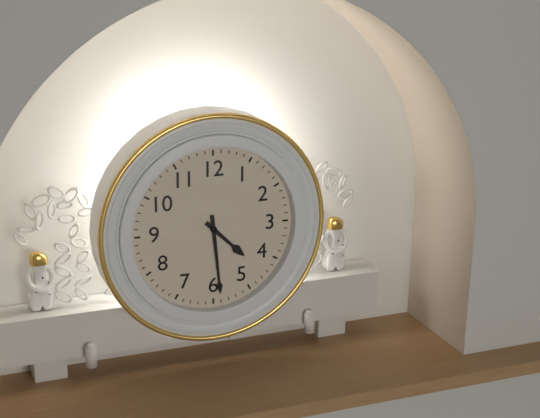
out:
4 h 29 min
